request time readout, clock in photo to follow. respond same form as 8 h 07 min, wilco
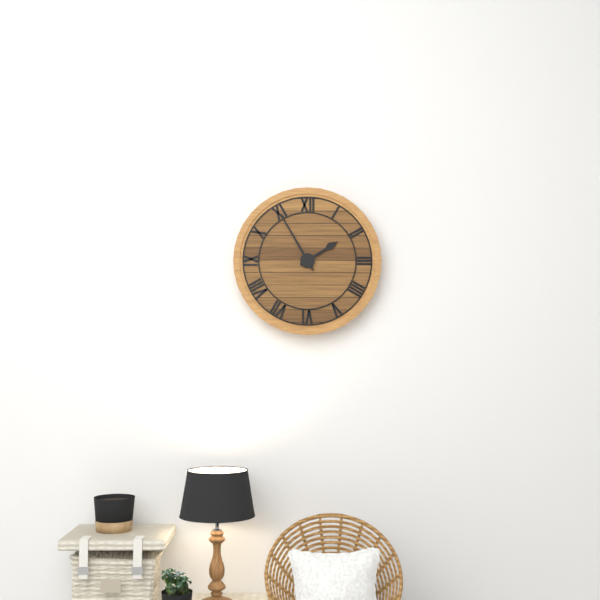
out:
1 h 55 min
